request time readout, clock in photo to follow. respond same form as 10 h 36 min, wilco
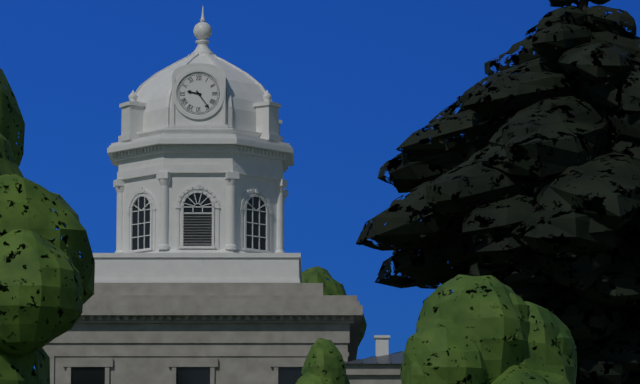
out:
9 h 24 min
